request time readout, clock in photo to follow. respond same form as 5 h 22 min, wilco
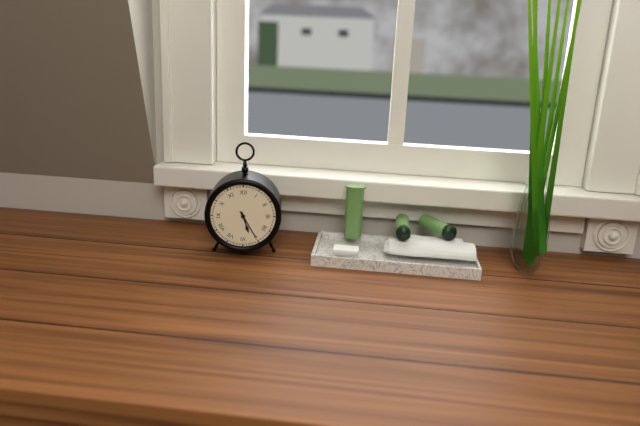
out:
5 h 25 min
